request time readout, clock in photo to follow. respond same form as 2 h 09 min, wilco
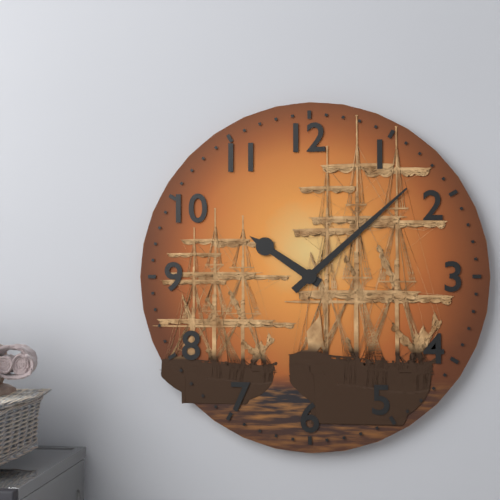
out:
10 h 08 min
